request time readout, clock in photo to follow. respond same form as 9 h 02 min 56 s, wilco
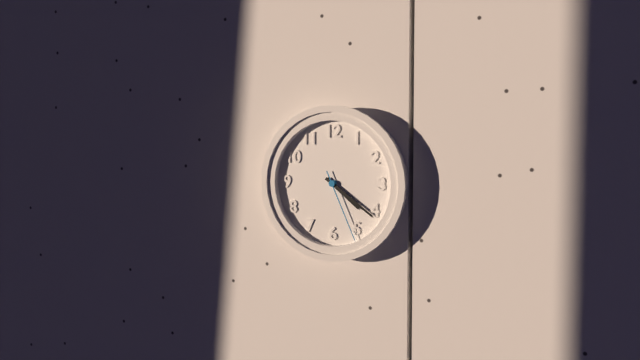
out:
4 h 21 min 26 s
